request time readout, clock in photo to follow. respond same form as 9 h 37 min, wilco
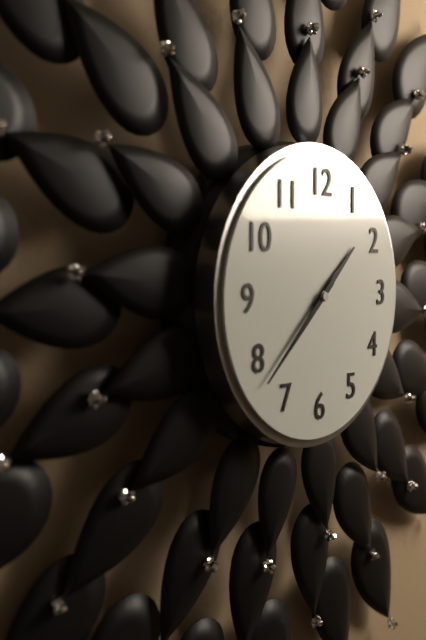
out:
1 h 38 min
